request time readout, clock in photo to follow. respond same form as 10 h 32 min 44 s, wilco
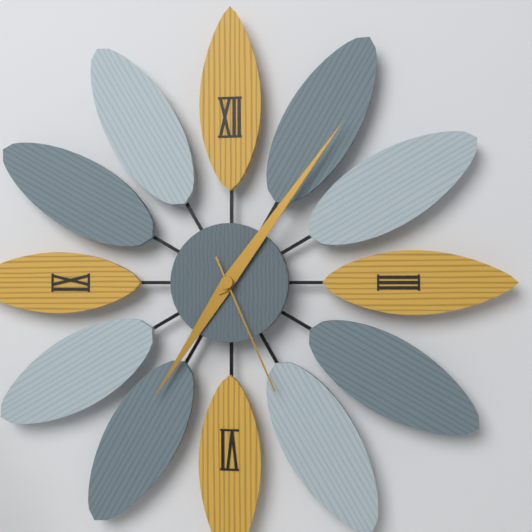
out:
7 h 06 min 26 s
